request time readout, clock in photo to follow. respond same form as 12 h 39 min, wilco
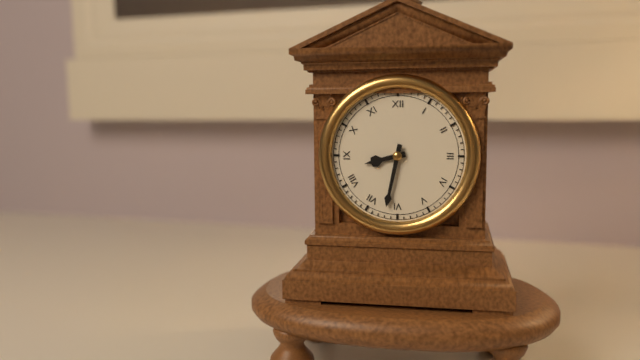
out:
8 h 32 min
